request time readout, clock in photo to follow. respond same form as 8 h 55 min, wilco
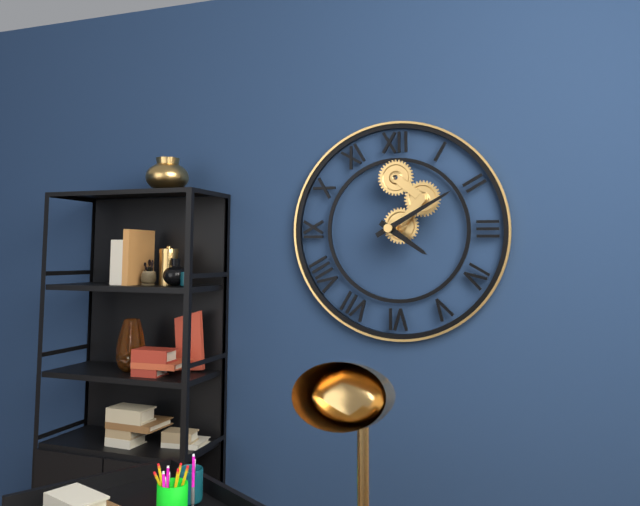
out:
4 h 10 min
